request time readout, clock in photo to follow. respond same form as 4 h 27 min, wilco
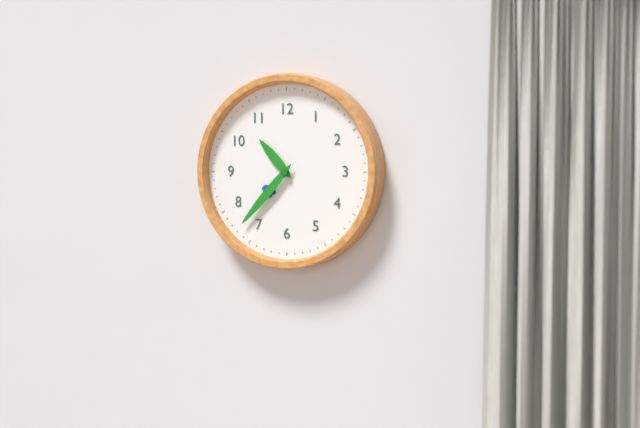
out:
10 h 37 min
